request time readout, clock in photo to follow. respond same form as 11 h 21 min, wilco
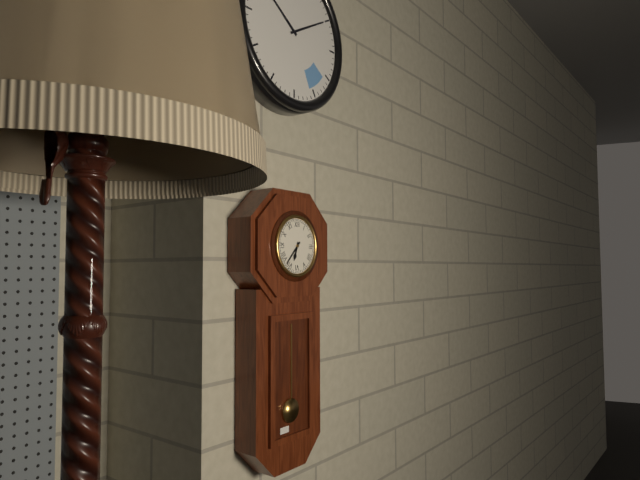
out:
6 h 37 min
